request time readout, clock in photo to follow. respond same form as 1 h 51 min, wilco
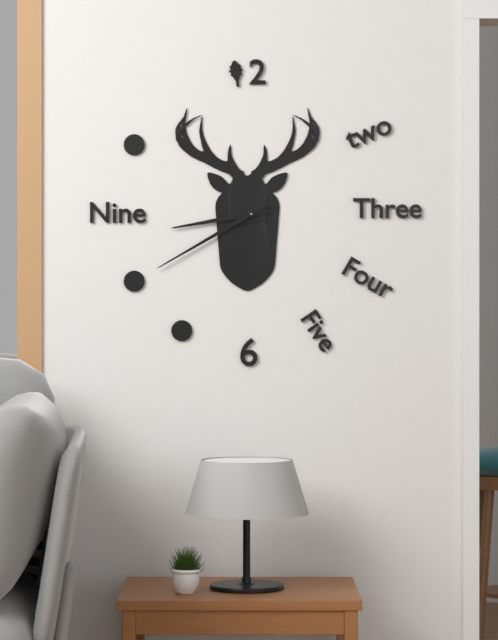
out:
8 h 40 min
